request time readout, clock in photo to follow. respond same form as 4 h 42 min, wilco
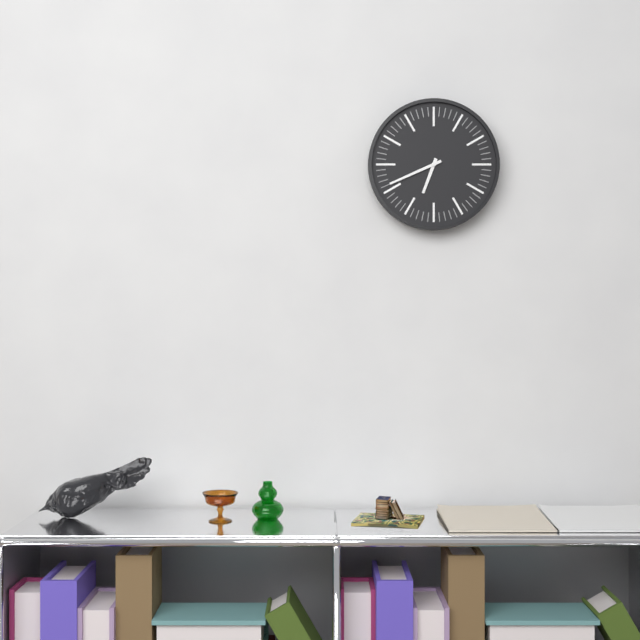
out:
6 h 41 min
